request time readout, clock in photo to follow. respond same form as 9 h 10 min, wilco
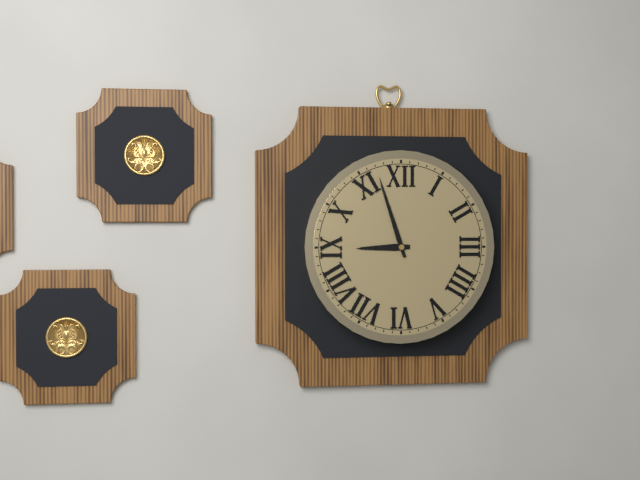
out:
8 h 57 min
